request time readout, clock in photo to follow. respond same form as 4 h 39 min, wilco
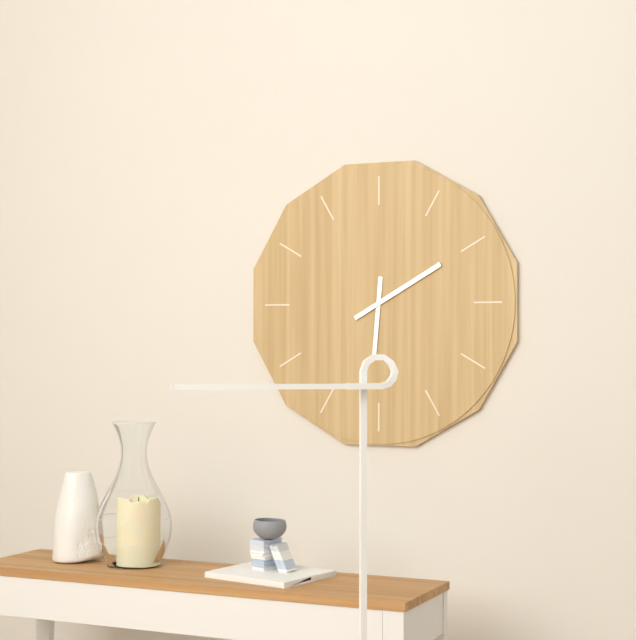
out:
6 h 10 min
